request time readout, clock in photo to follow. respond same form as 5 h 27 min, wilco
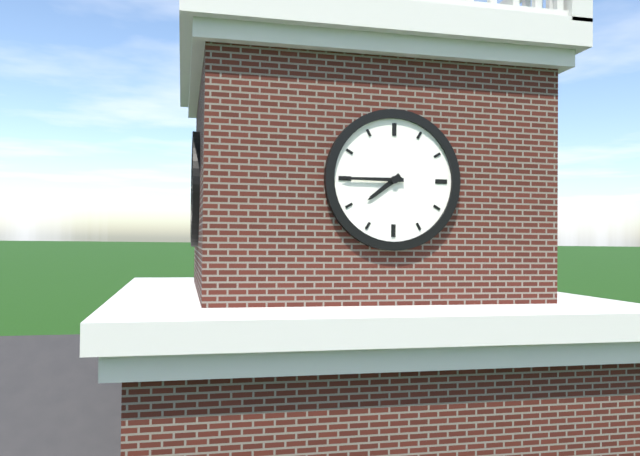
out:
7 h 45 min
